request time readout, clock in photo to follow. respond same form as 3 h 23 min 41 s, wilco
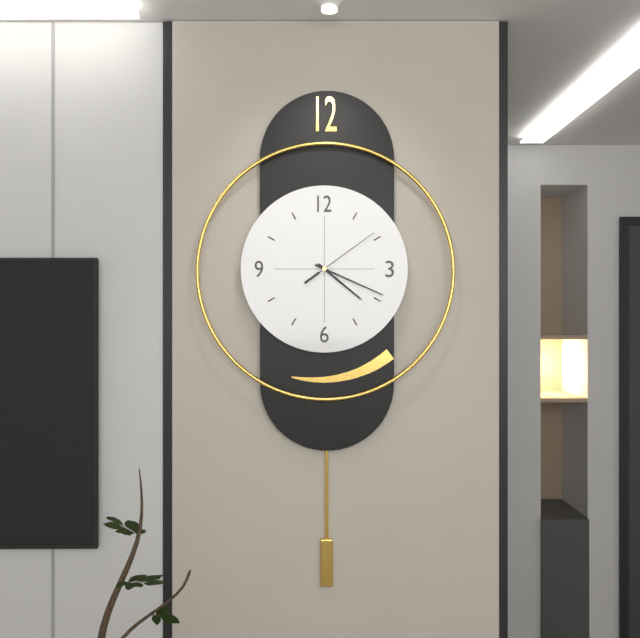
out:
4 h 19 min 09 s
